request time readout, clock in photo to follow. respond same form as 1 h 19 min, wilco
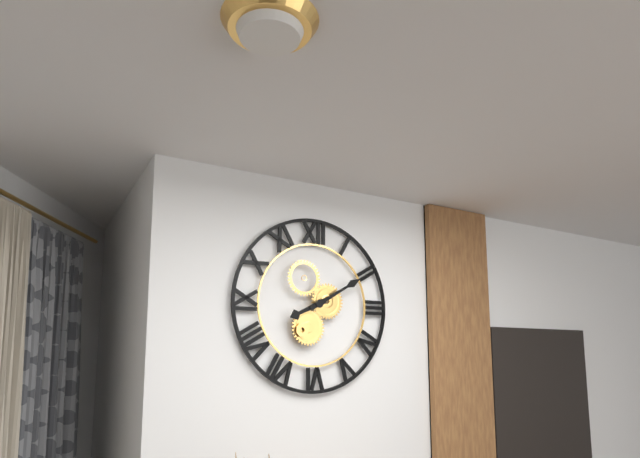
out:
8 h 10 min
